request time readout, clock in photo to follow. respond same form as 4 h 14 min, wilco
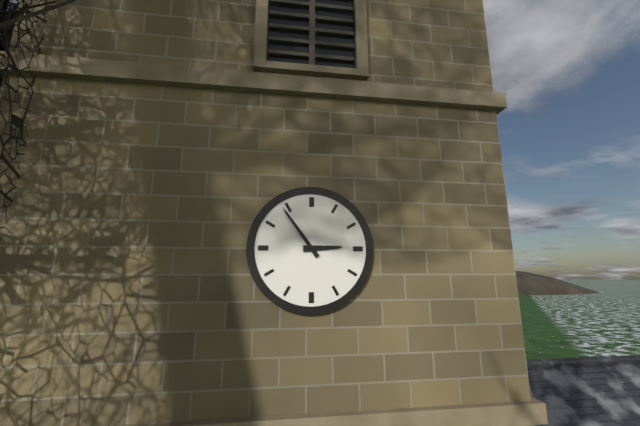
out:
2 h 54 min
